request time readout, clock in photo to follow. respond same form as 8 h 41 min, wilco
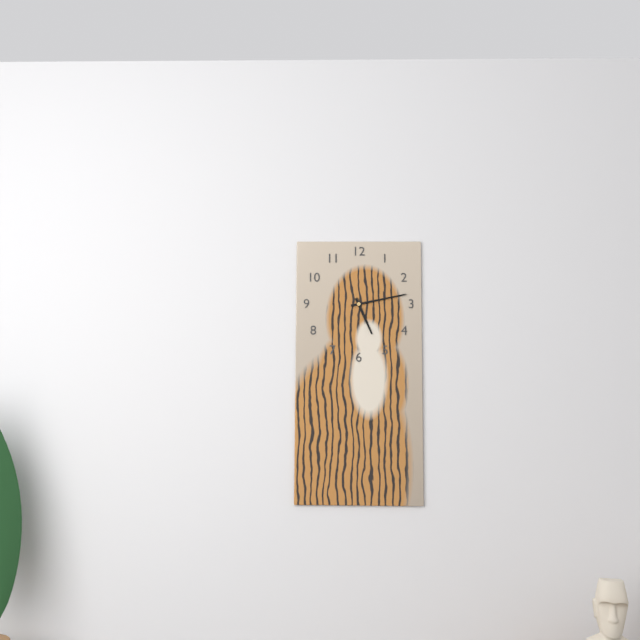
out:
5 h 13 min
